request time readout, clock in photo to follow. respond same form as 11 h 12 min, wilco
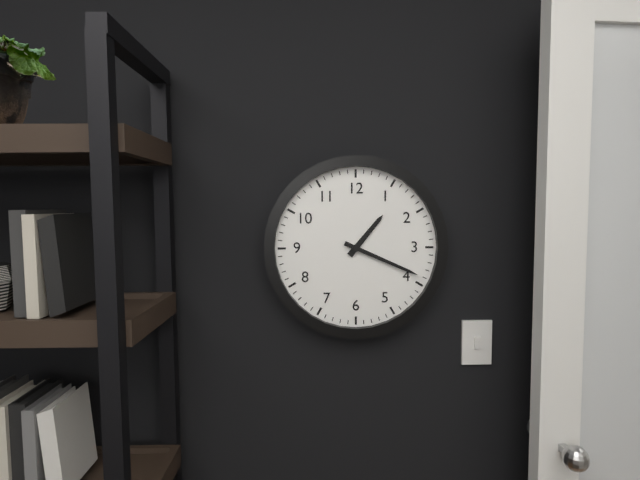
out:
1 h 19 min
